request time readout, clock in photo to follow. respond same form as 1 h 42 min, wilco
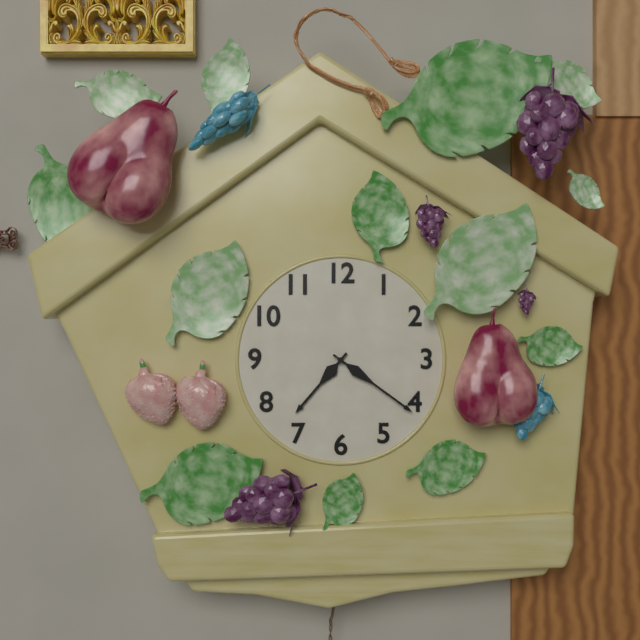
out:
7 h 21 min
